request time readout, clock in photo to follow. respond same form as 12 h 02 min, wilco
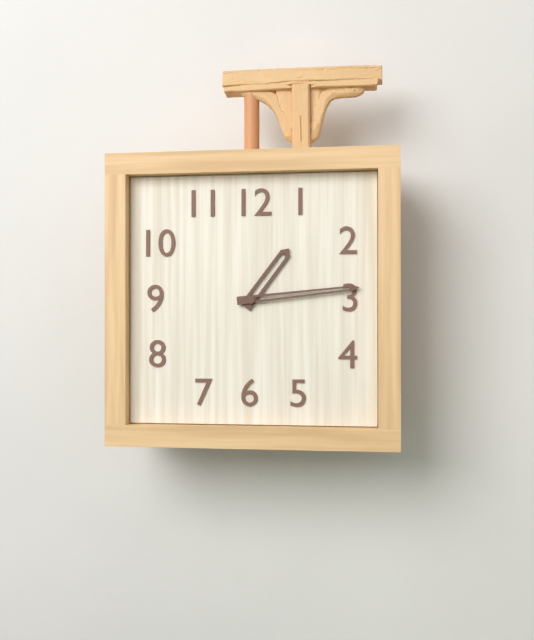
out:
1 h 14 min
